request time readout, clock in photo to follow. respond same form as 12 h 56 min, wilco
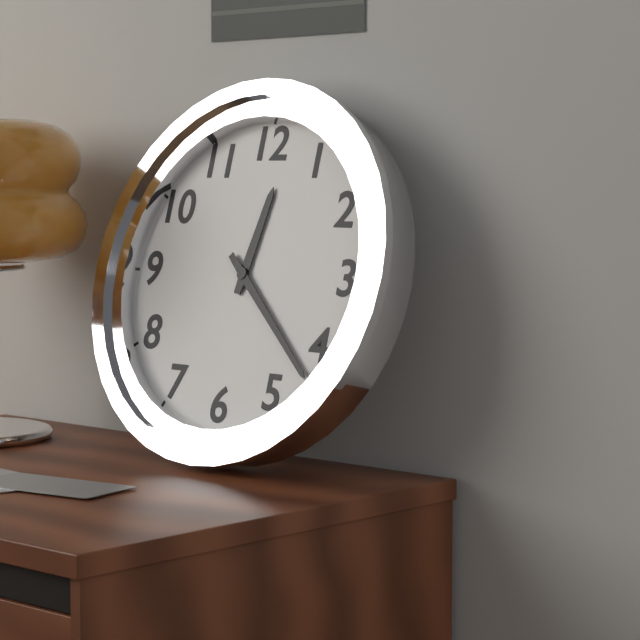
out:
12 h 22 min
